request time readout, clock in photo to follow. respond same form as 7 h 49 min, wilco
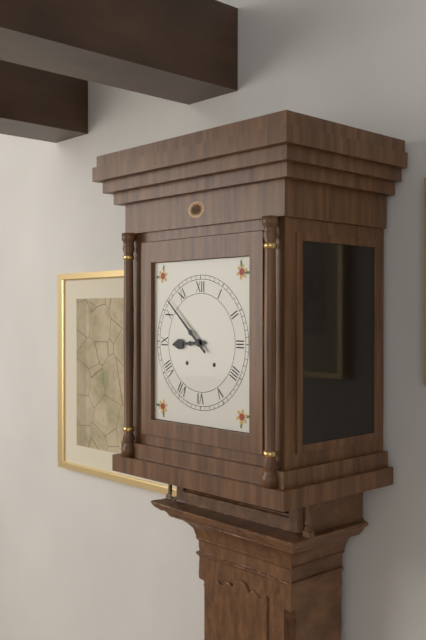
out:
8 h 52 min
